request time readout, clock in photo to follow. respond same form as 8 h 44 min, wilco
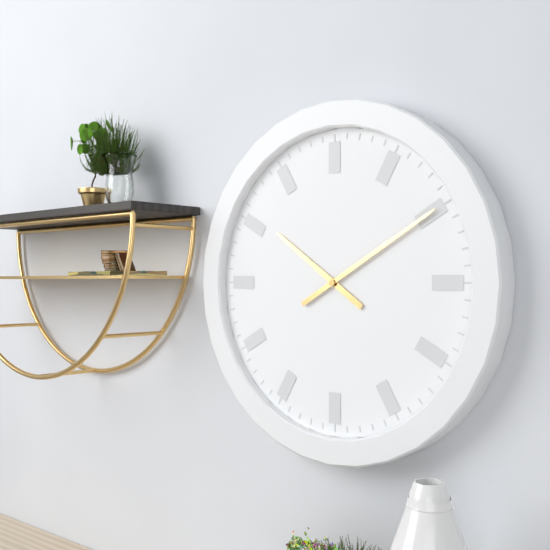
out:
10 h 10 min
